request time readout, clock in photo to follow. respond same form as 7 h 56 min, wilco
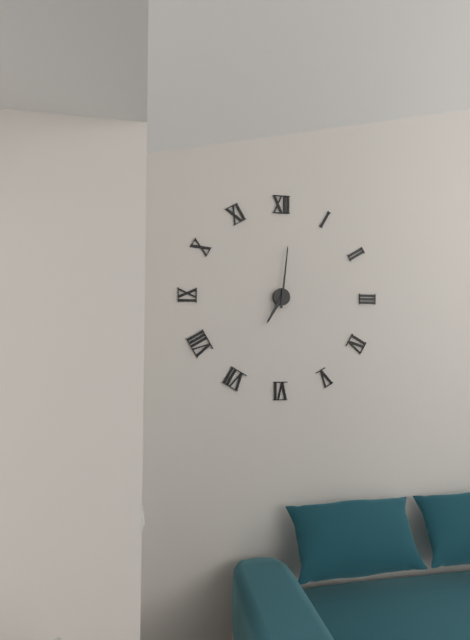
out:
7 h 01 min
